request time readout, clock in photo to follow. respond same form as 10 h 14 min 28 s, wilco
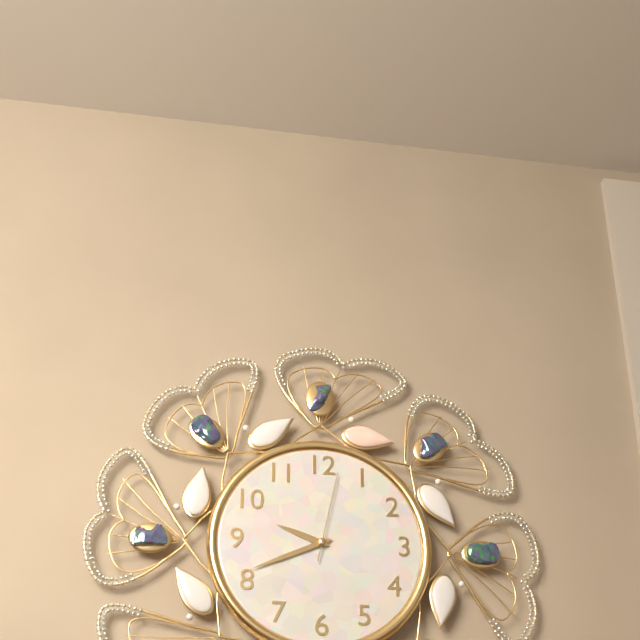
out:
9 h 41 min 02 s
